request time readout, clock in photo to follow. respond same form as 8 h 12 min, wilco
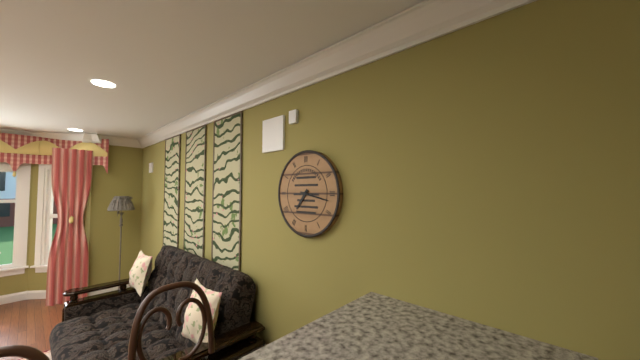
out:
7 h 17 min
